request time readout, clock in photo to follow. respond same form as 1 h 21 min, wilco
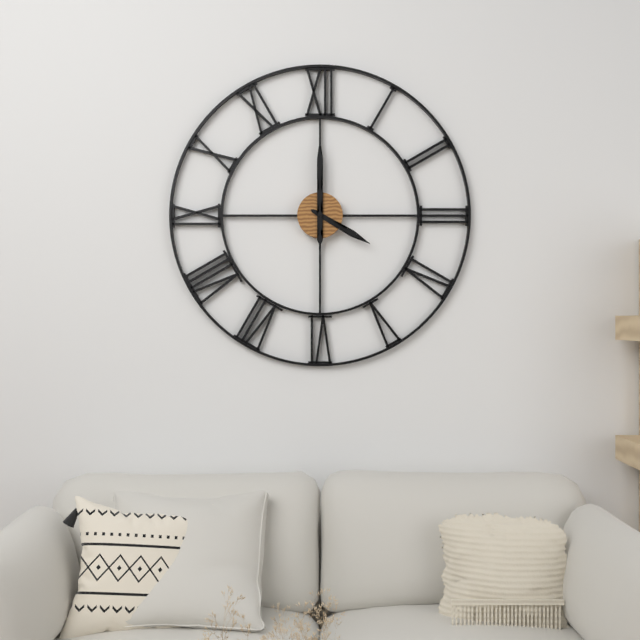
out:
4 h 00 min
